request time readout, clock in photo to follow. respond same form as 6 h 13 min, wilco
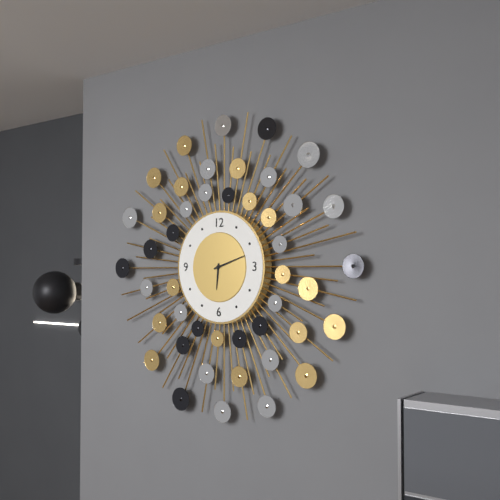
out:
6 h 12 min
